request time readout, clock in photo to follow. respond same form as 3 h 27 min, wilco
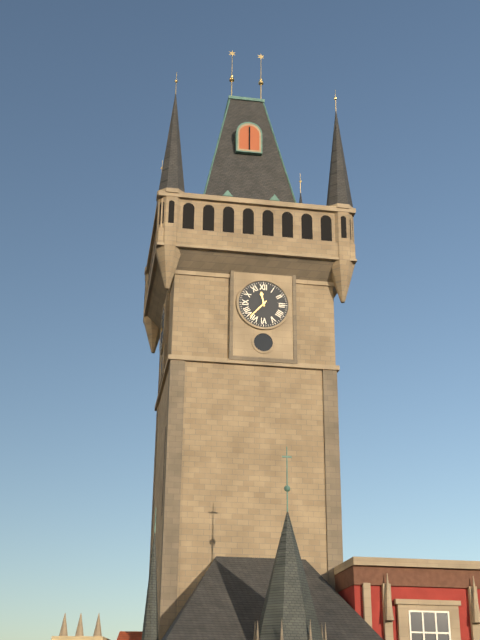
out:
11 h 37 min
